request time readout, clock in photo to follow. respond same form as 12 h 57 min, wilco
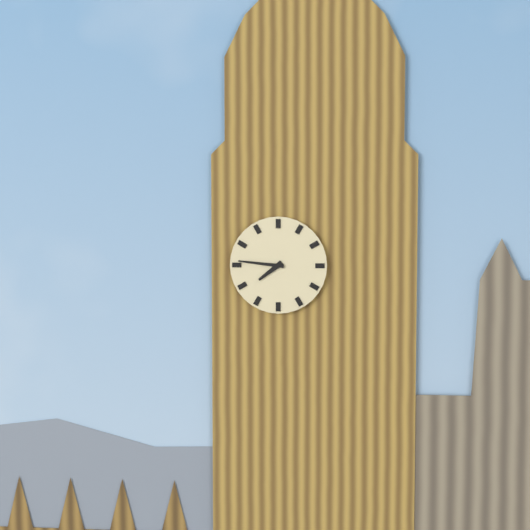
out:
7 h 46 min
